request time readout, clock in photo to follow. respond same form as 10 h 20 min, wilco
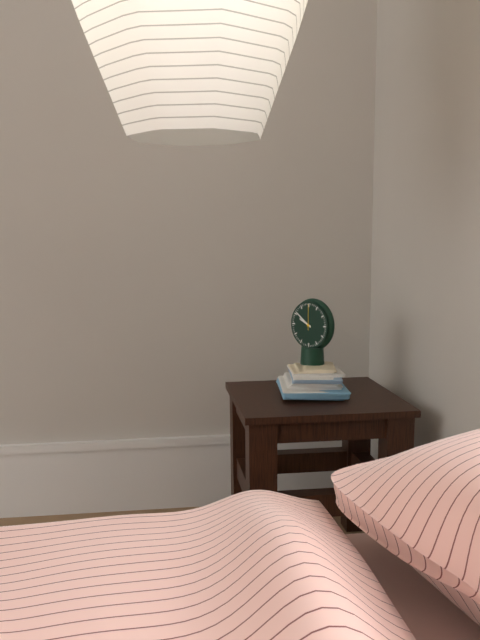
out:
9 h 51 min
